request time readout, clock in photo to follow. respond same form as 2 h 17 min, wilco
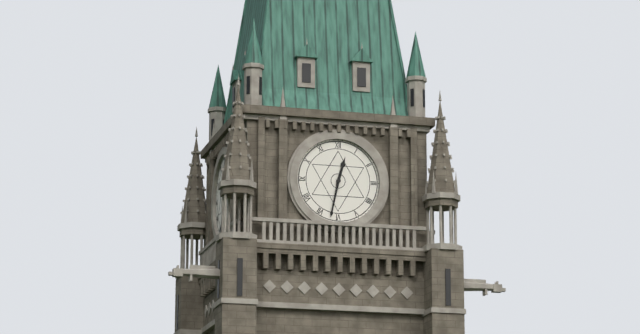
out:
12 h 32 min
